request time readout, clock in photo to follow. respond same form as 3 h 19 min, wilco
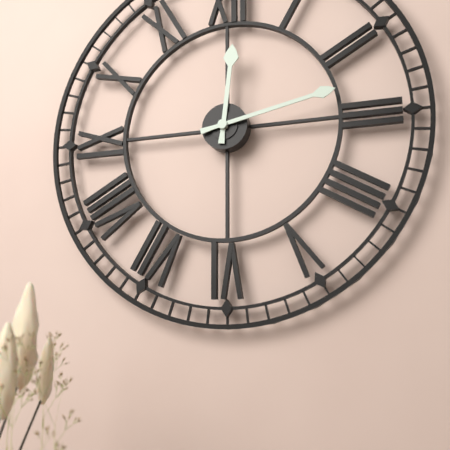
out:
12 h 13 min
